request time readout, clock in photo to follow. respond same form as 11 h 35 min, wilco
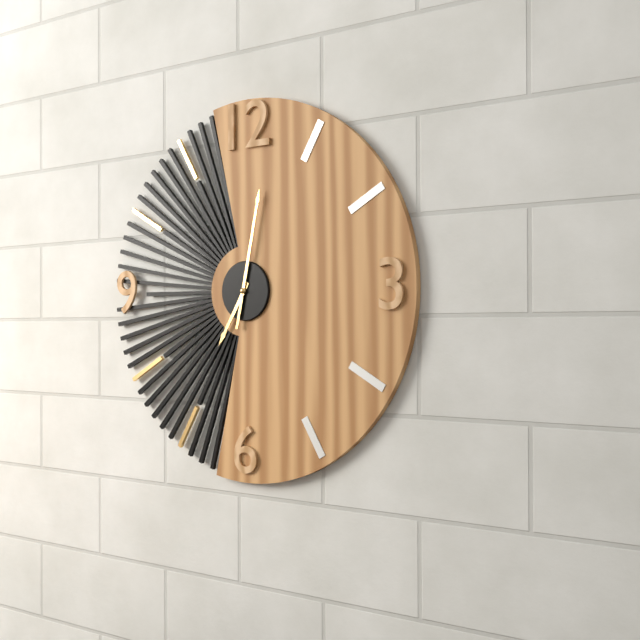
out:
7 h 02 min
